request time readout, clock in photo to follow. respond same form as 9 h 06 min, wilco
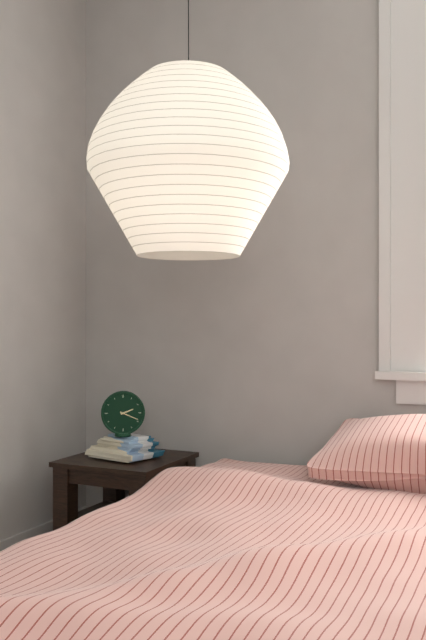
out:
2 h 19 min
